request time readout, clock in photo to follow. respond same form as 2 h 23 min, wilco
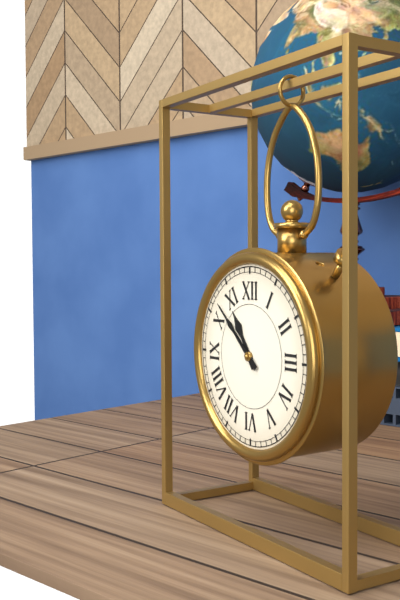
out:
10 h 52 min
